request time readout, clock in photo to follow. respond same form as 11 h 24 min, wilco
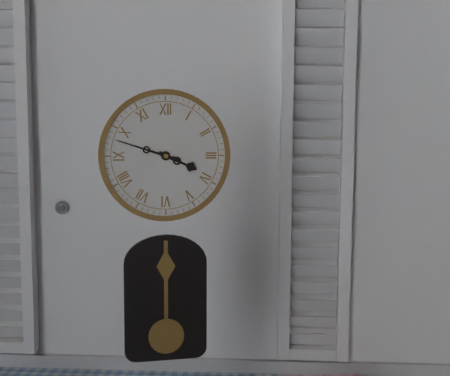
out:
3 h 48 min
